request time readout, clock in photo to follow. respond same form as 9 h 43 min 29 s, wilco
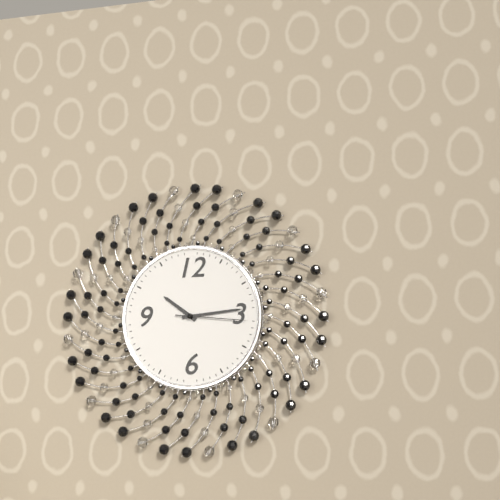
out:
10 h 14 min 16 s
